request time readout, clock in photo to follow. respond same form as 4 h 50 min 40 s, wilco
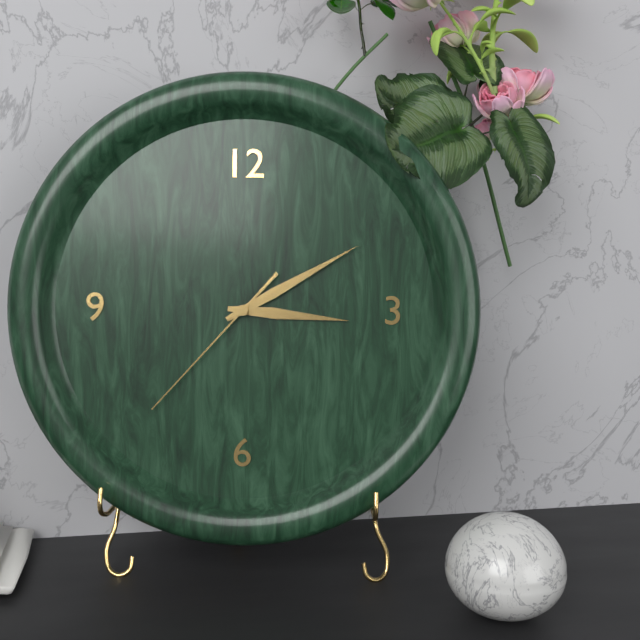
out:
3 h 10 min 37 s
